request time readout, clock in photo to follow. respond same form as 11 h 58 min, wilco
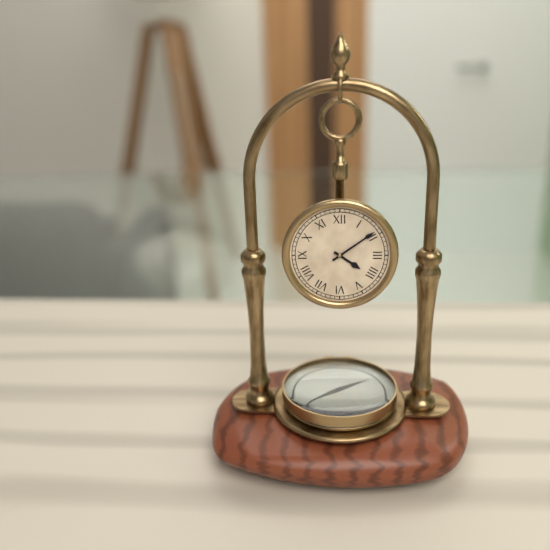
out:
4 h 09 min
